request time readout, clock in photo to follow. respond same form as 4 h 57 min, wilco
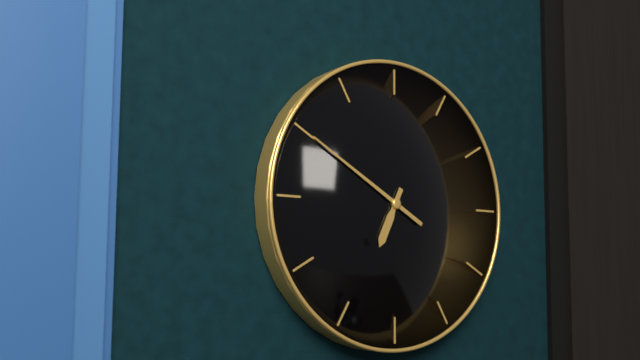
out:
6 h 50 min
